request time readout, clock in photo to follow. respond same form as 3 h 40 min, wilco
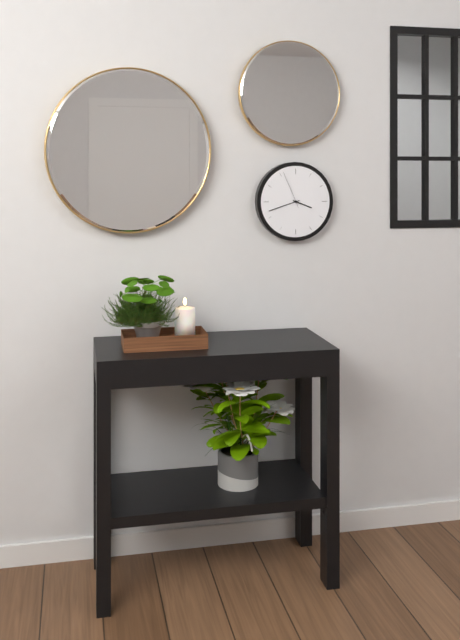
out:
3 h 42 min
